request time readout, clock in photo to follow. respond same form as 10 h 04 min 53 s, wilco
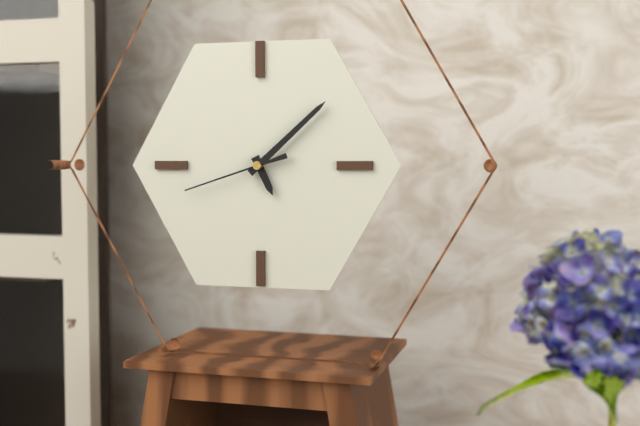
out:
5 h 08 min 42 s
